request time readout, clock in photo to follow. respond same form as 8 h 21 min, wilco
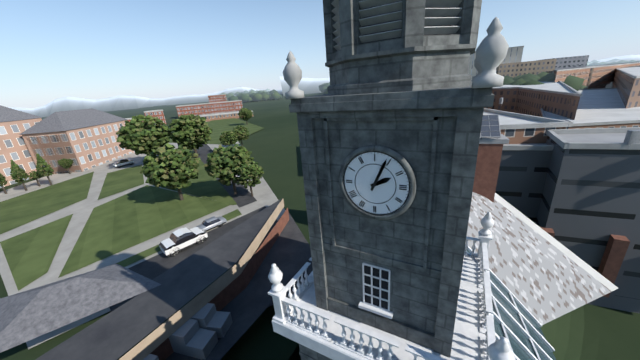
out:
2 h 04 min
